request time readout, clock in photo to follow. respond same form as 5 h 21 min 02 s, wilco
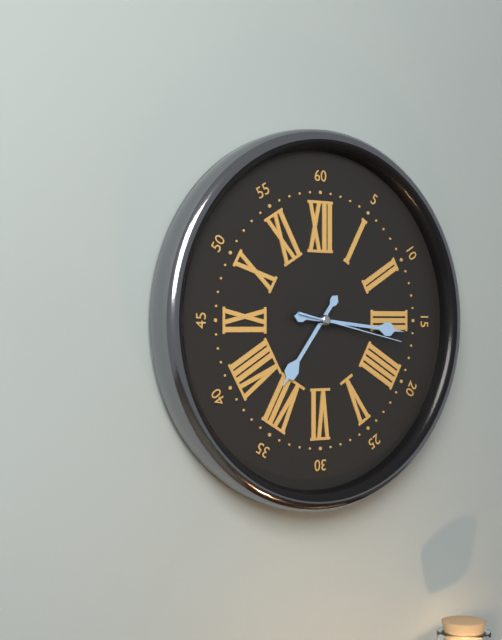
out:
7 h 16 min 17 s
